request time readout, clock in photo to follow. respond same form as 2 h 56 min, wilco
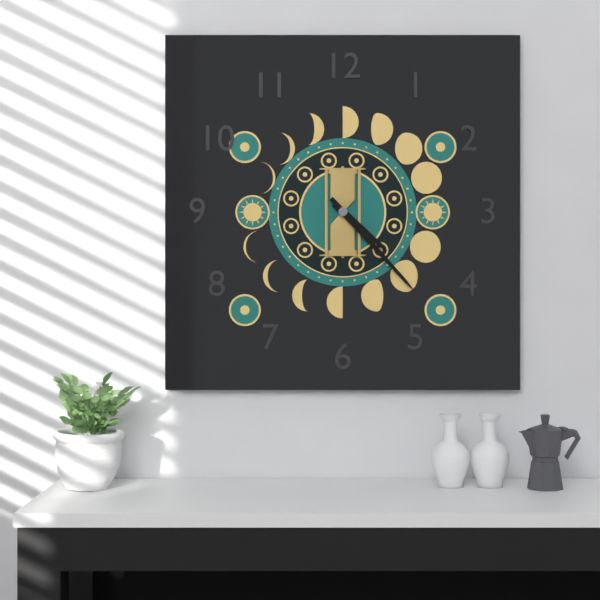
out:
4 h 23 min
